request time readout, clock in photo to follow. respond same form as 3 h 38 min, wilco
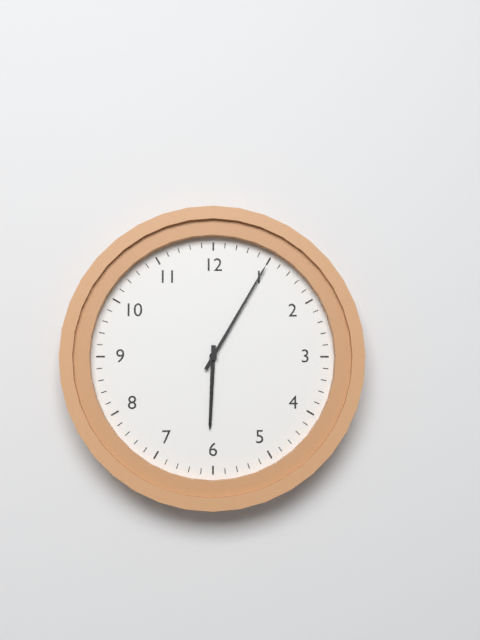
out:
6 h 05 min
